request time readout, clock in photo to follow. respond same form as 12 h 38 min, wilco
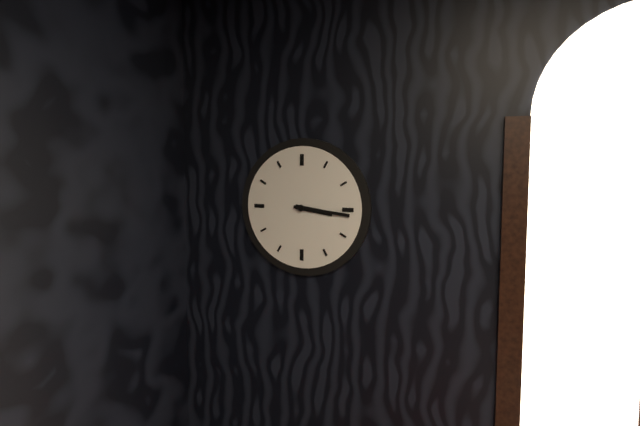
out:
3 h 16 min
